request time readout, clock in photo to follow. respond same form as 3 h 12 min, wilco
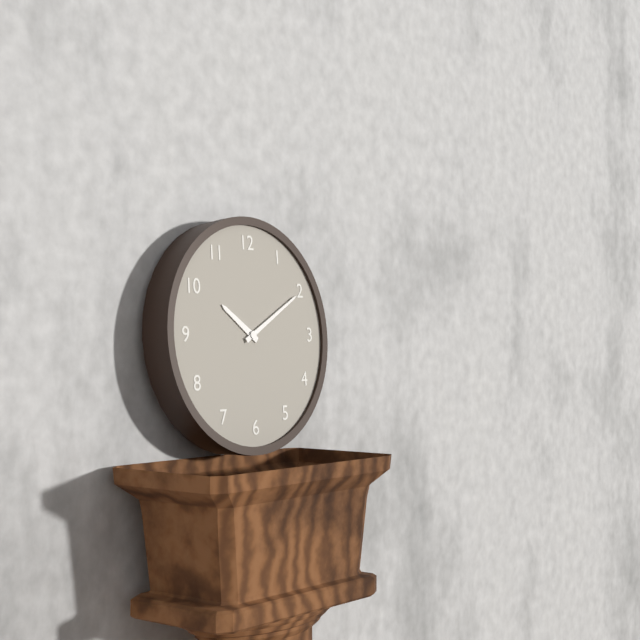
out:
10 h 10 min
